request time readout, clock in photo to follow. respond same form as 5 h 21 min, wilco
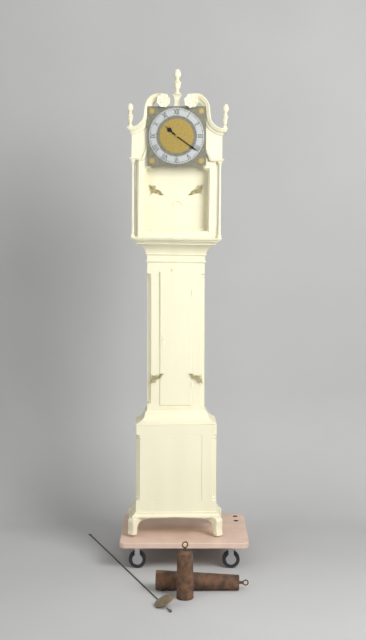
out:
10 h 21 min
